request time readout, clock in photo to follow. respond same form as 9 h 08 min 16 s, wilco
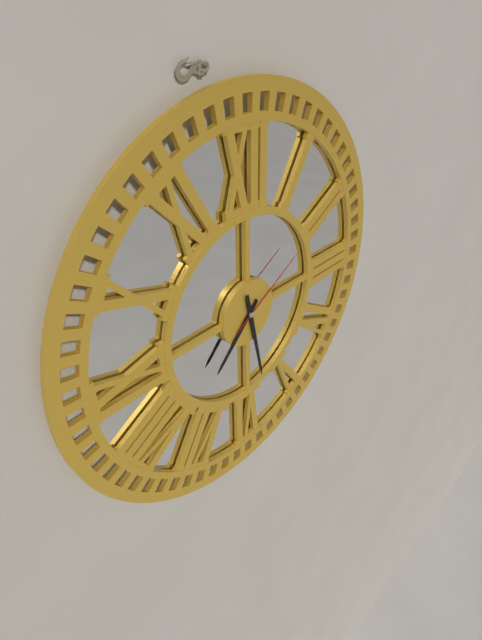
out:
7 h 28 min 10 s
